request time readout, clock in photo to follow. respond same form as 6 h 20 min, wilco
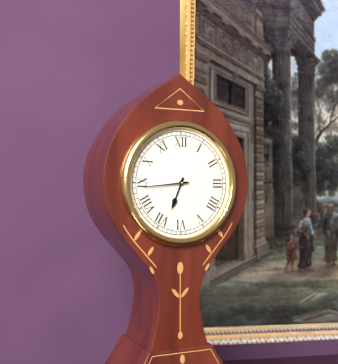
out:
6 h 44 min
